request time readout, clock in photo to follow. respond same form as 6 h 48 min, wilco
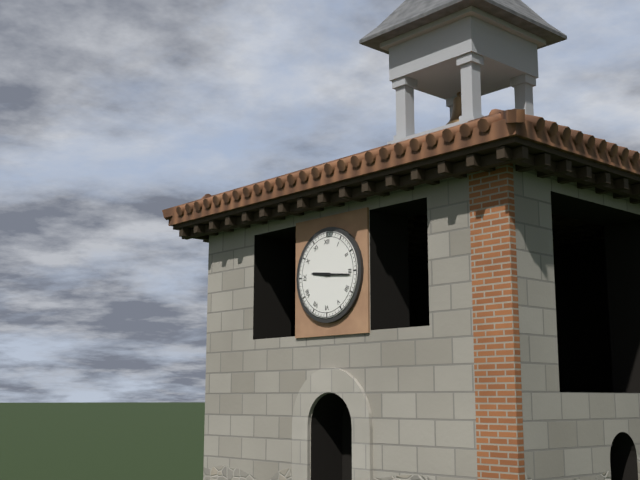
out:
9 h 16 min
